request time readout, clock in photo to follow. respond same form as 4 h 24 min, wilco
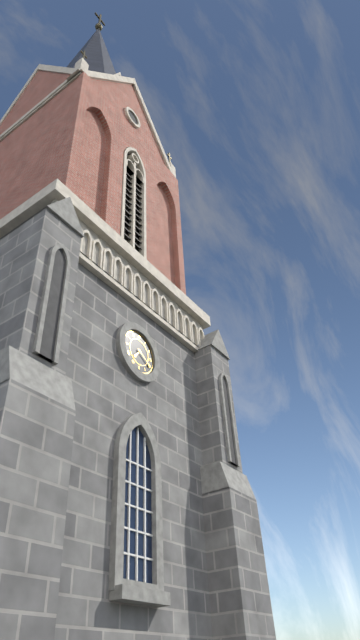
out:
7 h 20 min
